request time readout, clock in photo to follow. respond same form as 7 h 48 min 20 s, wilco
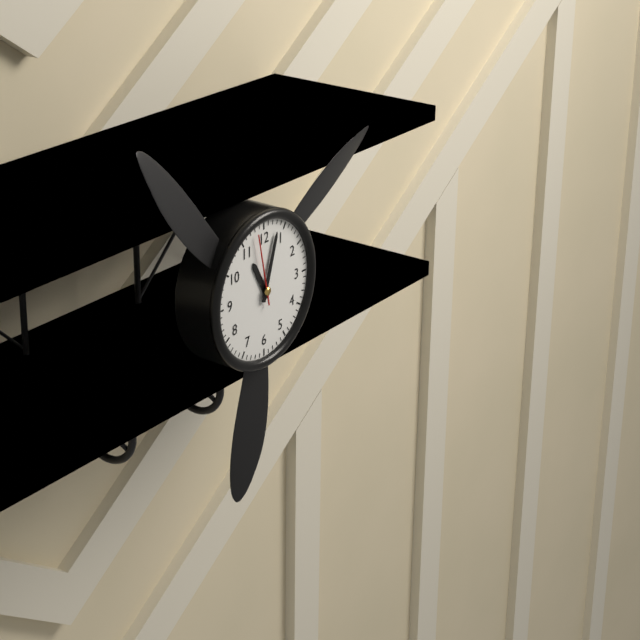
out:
11 h 03 min 58 s
